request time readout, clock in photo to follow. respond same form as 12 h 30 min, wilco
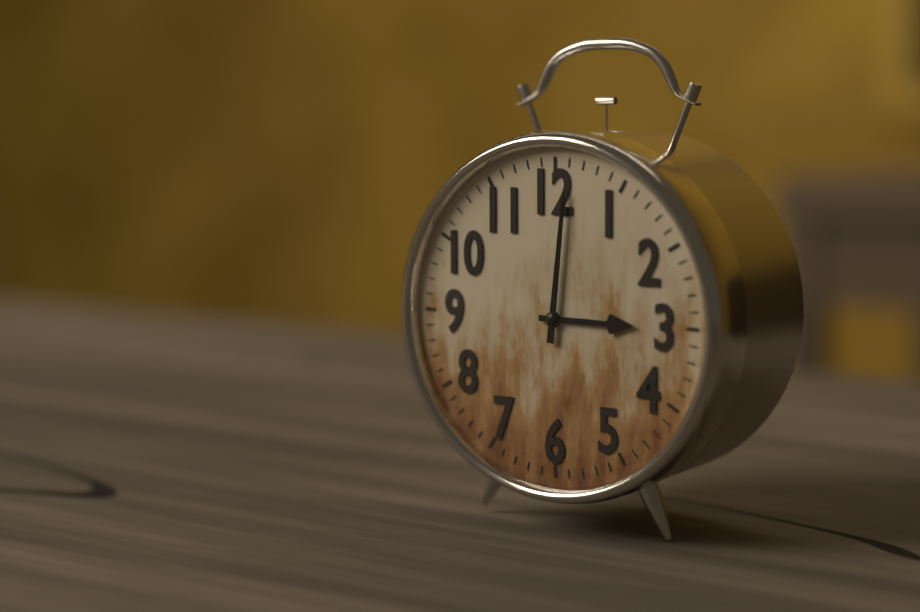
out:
3 h 01 min
